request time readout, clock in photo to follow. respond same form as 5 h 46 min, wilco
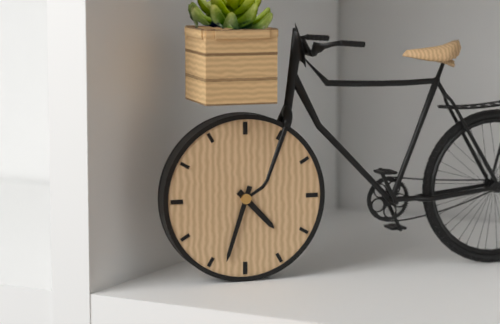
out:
4 h 33 min
